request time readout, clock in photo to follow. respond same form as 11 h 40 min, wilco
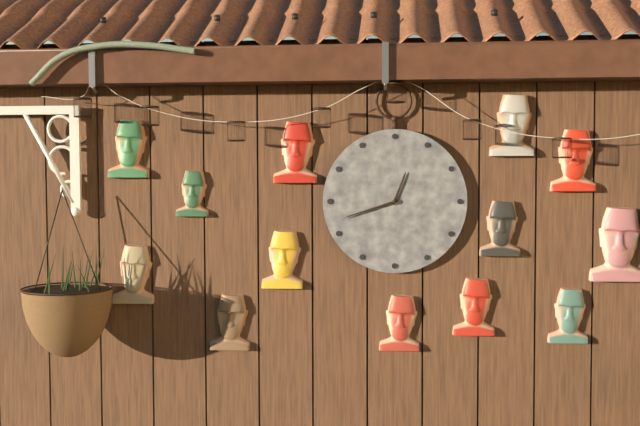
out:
12 h 42 min
